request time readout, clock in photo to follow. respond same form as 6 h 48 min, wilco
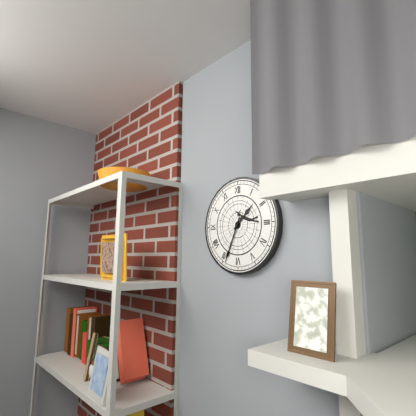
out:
1 h 34 min
